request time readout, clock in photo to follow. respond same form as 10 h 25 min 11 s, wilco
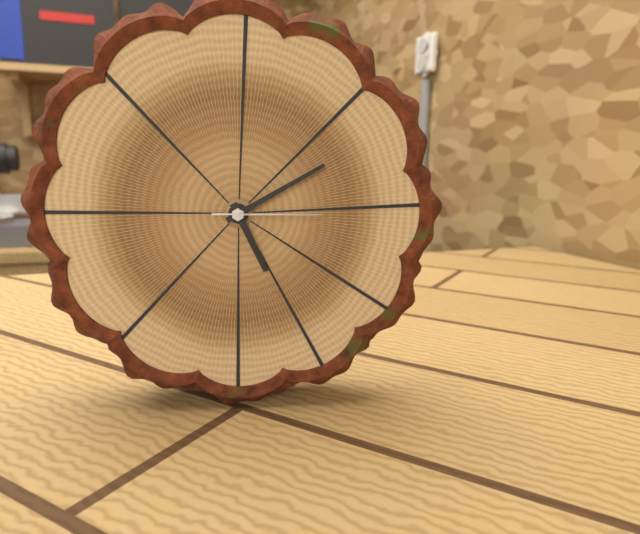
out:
5 h 10 min 15 s
